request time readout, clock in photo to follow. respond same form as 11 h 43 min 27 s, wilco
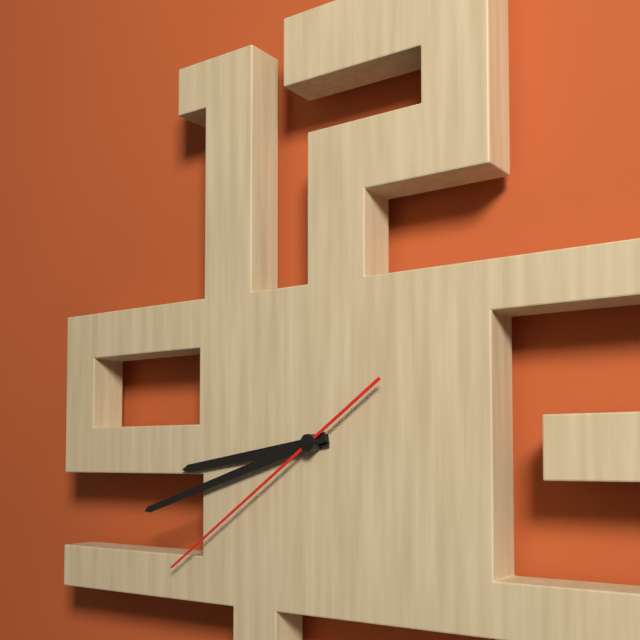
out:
8 h 42 min 39 s
